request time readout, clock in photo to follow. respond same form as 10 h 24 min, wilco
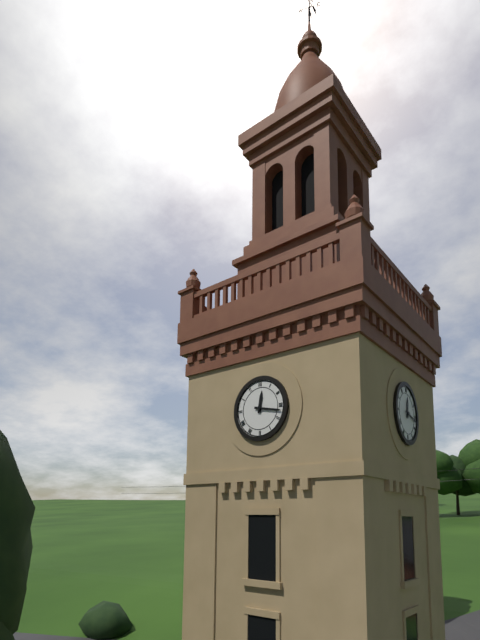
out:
12 h 17 min
